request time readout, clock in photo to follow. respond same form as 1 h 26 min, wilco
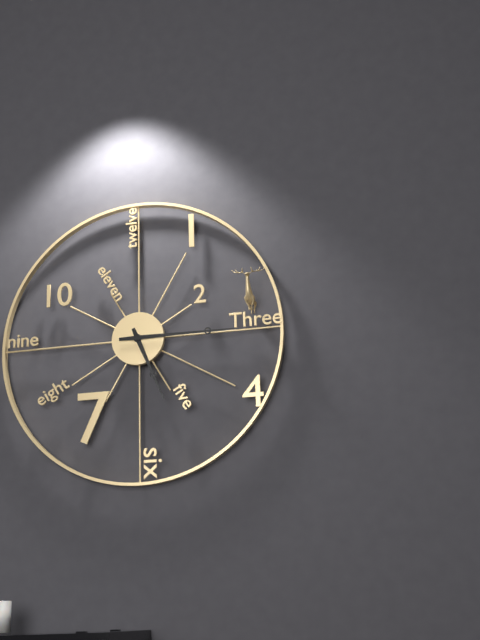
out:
5 h 15 min
